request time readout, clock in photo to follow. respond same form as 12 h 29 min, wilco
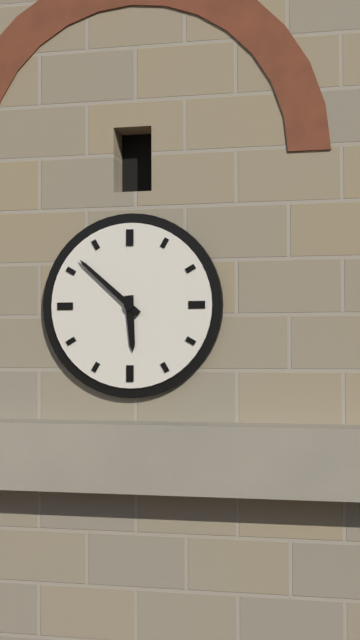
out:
5 h 52 min
